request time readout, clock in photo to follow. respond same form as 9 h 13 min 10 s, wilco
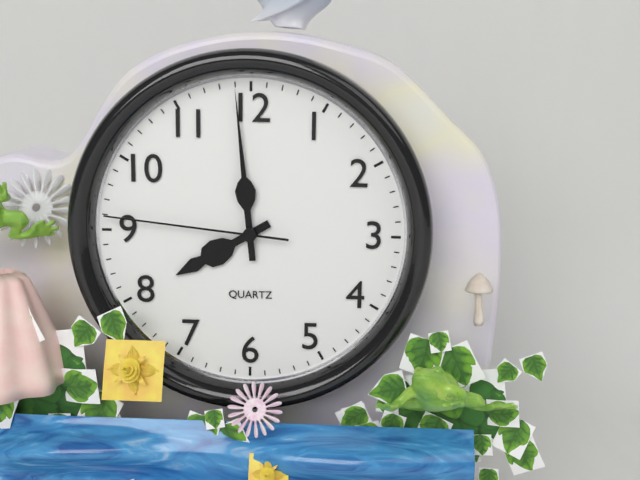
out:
7 h 59 min 46 s
